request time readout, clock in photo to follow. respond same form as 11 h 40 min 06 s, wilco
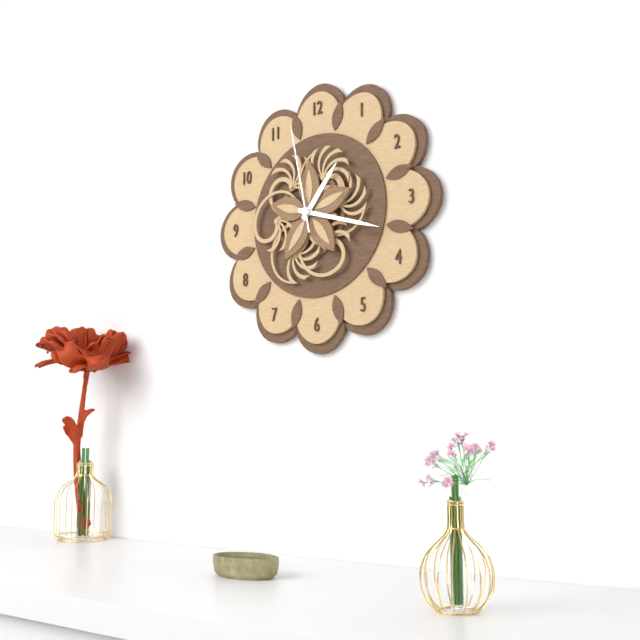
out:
1 h 18 min 58 s
